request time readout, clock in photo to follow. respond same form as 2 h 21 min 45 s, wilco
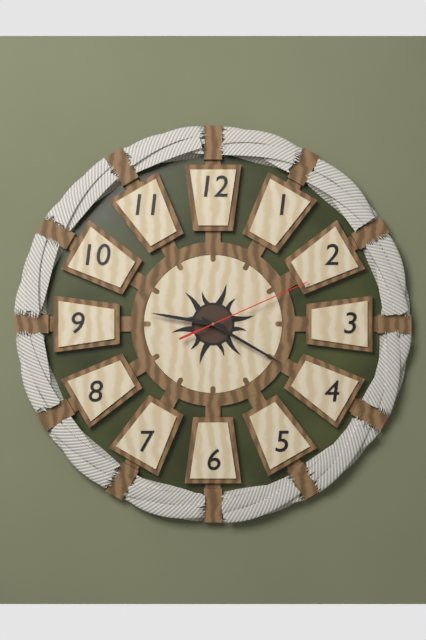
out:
9 h 20 min 11 s
